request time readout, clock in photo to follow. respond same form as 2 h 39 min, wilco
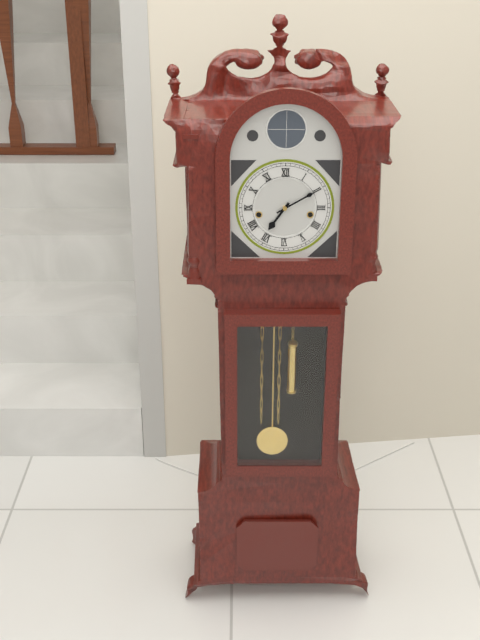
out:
7 h 10 min
